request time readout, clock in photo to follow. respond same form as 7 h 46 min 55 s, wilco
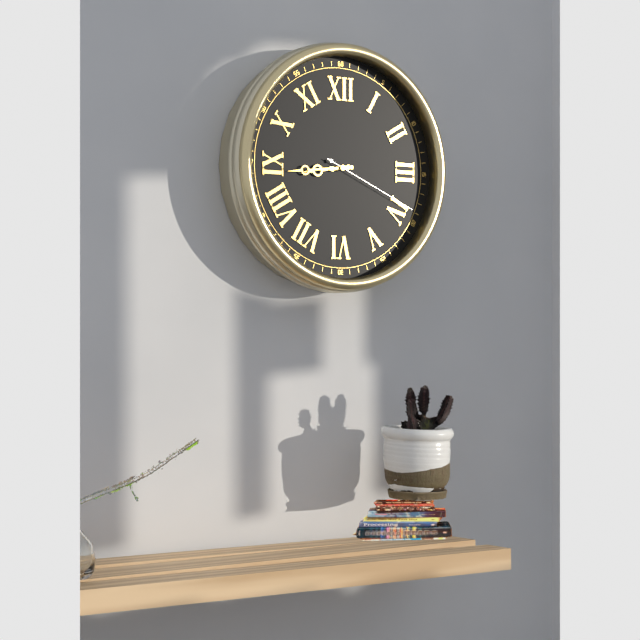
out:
8 h 44 min 19 s
